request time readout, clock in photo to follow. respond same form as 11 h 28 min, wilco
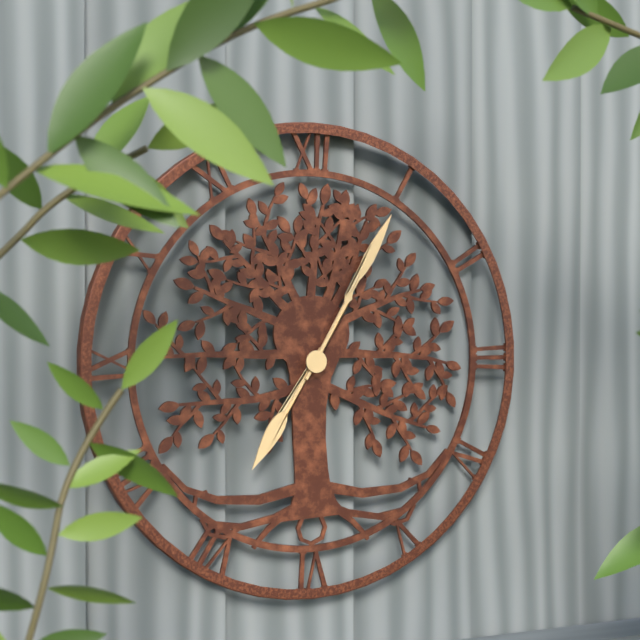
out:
7 h 05 min
